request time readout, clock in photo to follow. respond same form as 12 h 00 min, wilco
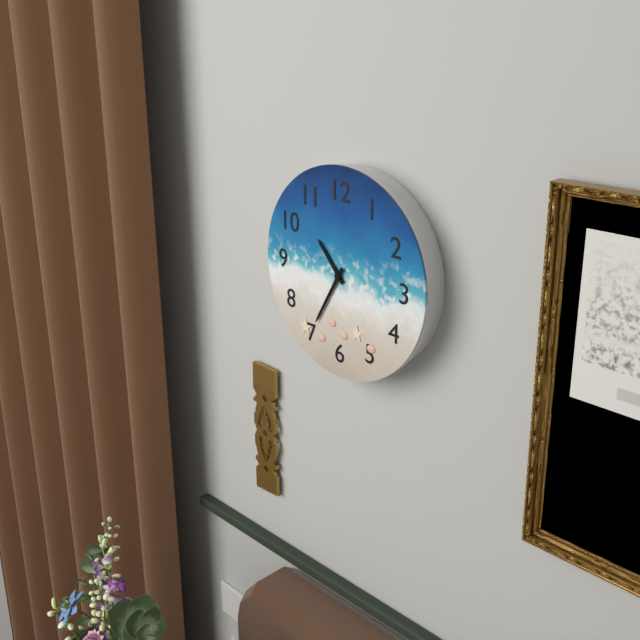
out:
10 h 35 min
